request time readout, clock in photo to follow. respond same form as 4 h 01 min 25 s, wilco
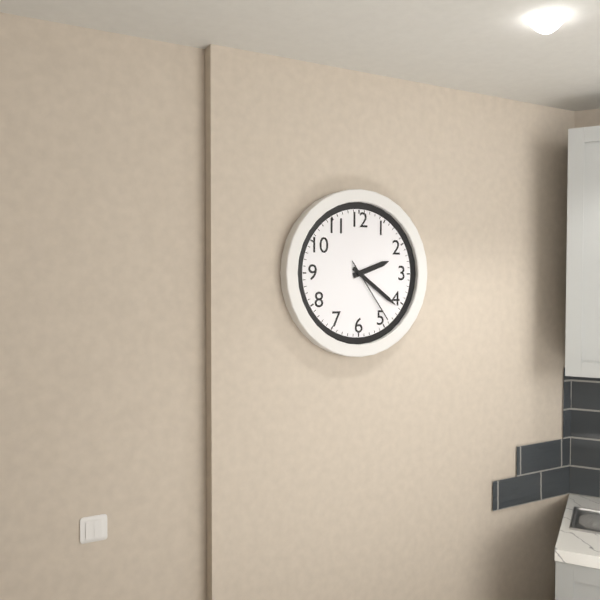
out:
2 h 21 min 24 s
